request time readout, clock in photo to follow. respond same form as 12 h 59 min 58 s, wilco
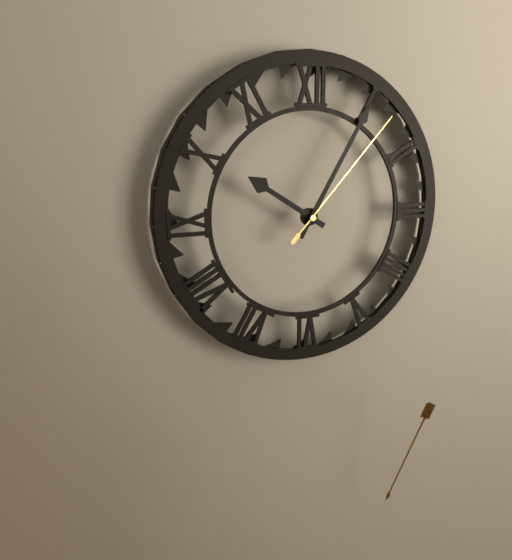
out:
10 h 05 min 07 s
